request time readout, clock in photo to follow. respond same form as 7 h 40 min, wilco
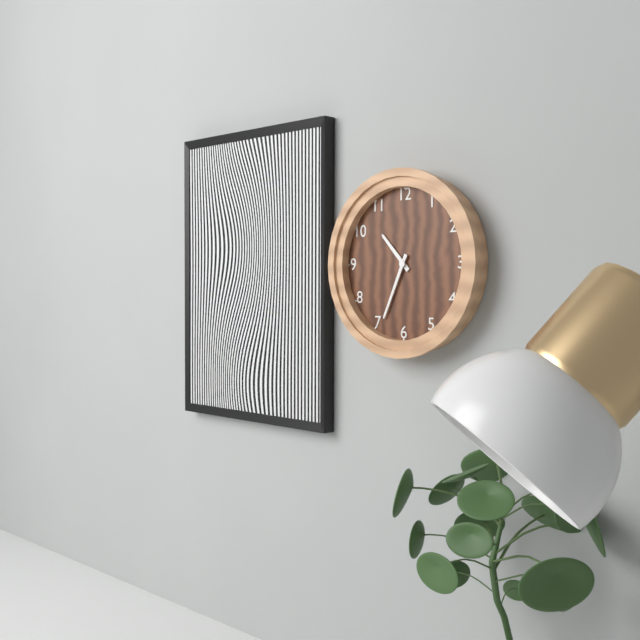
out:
10 h 34 min
